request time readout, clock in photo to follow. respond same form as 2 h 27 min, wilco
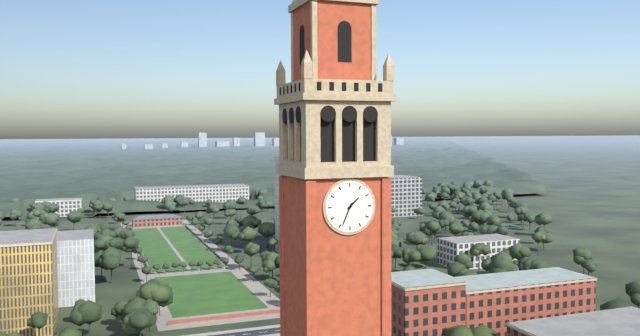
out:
1 h 34 min
